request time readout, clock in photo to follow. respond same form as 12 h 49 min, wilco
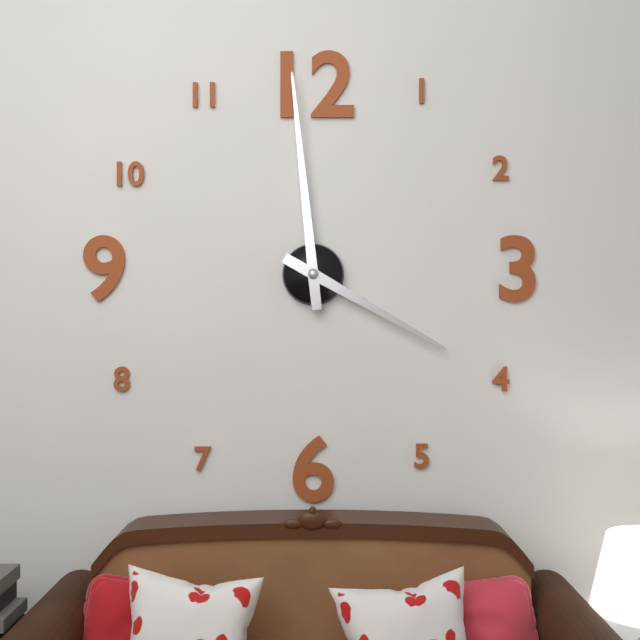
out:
3 h 59 min
